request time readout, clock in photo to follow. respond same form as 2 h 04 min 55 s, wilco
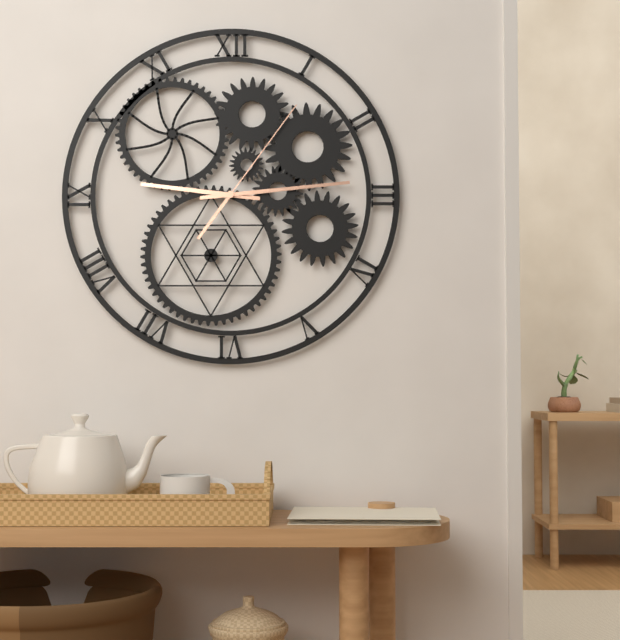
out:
9 h 14 min 06 s
